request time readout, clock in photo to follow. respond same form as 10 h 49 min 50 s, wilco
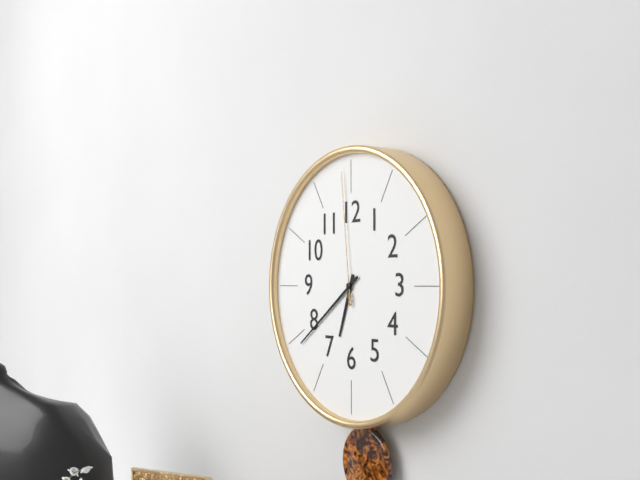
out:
6 h 39 min 59 s
